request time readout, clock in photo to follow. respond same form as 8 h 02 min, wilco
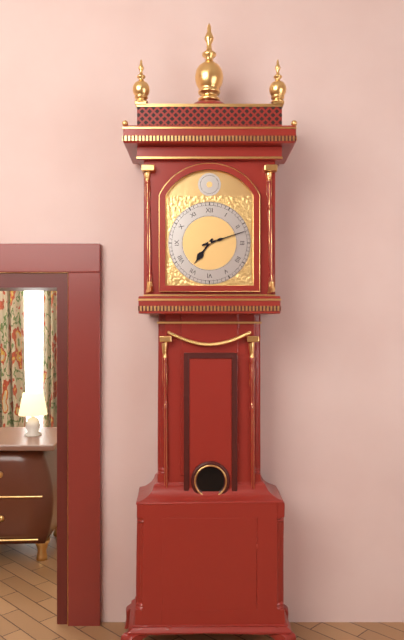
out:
7 h 12 min
